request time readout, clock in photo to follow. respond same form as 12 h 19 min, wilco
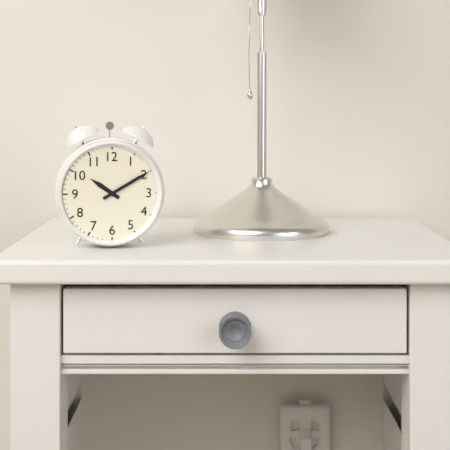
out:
10 h 10 min
